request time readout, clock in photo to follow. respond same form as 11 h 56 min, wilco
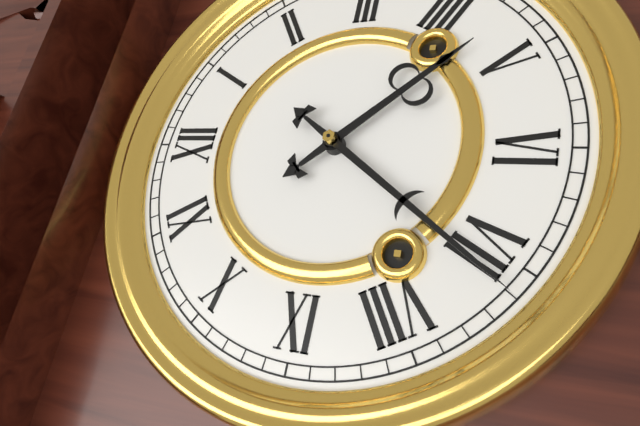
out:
4 h 36 min
